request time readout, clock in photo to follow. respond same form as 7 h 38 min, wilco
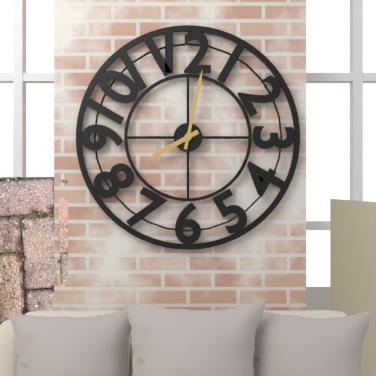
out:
8 h 02 min
